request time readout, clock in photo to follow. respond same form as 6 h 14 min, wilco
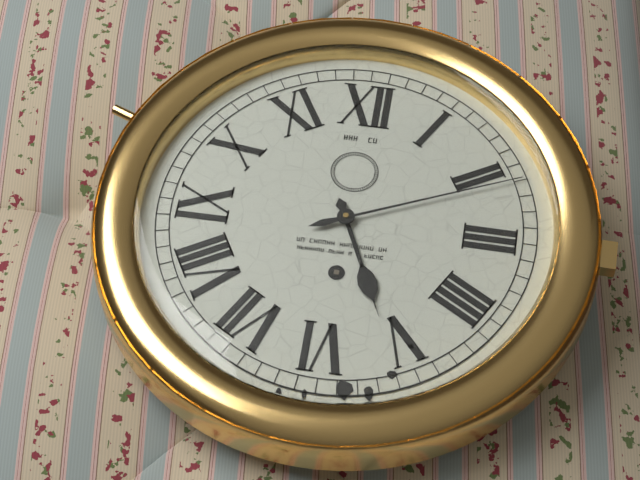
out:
5 h 11 min
